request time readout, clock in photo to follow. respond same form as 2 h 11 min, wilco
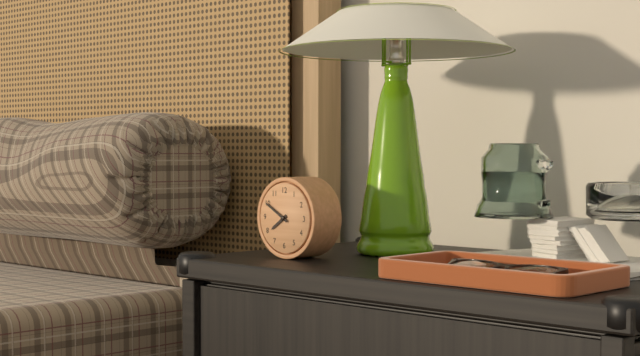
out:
7 h 50 min
